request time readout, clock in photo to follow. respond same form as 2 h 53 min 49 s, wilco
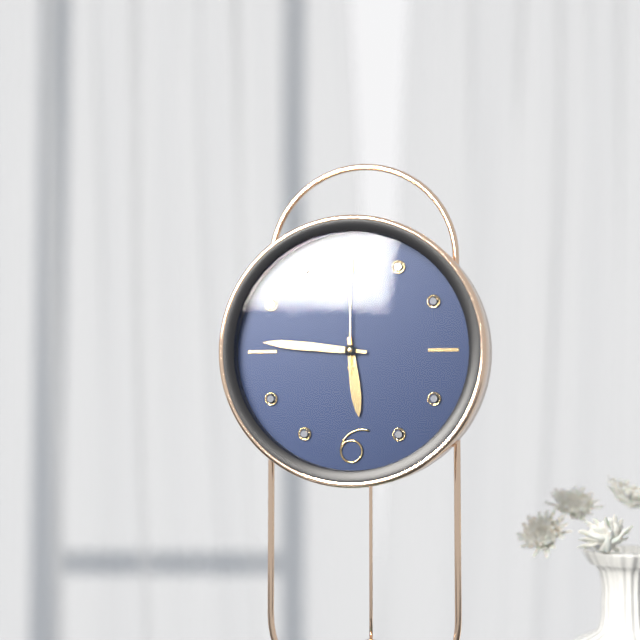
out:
5 h 46 min 00 s
